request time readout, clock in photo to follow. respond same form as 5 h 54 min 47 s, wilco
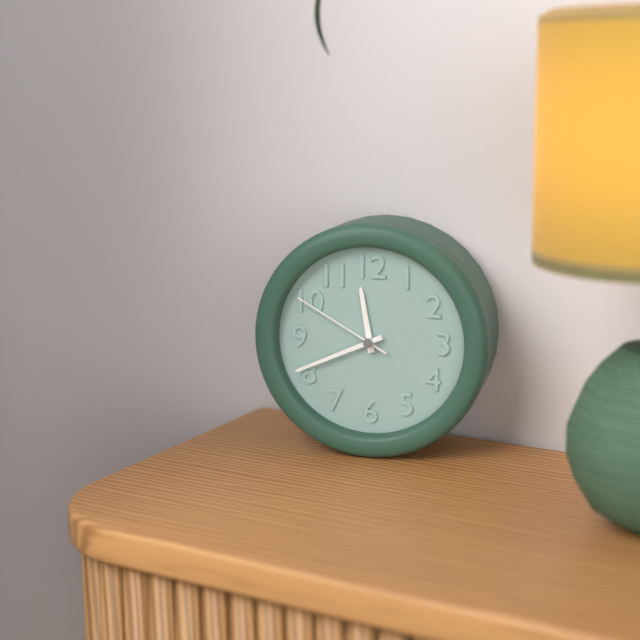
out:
11 h 41 min 50 s
